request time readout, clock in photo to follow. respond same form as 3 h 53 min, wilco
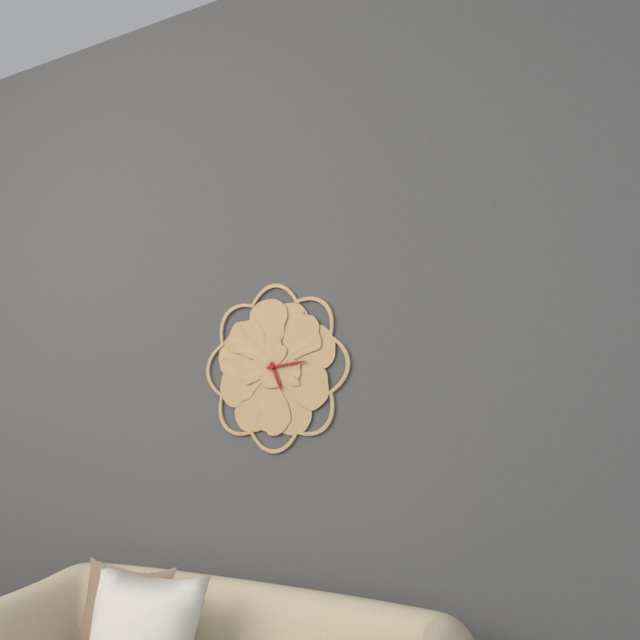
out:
5 h 14 min
